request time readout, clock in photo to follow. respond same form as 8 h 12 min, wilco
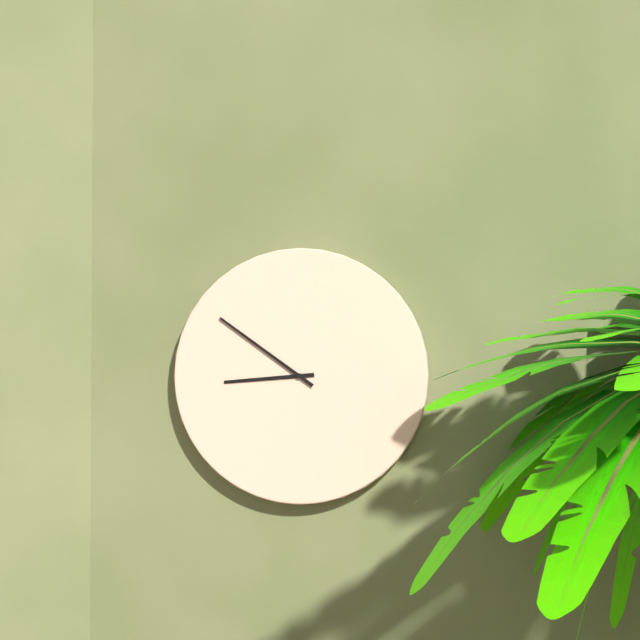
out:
8 h 51 min
